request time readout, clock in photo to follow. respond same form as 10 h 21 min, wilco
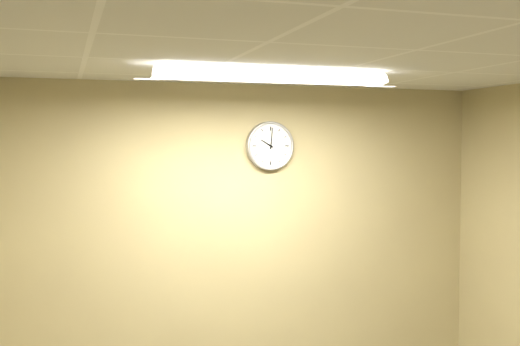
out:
10 h 01 min
